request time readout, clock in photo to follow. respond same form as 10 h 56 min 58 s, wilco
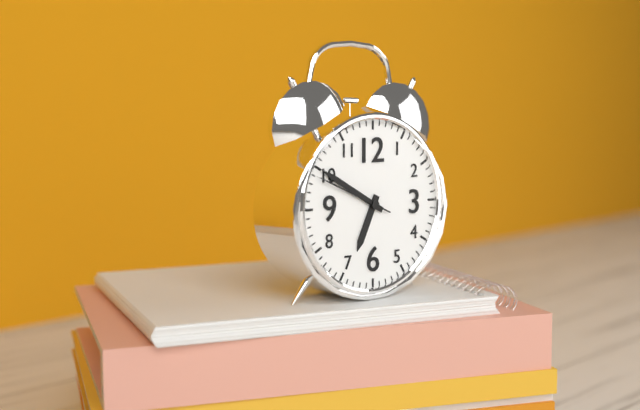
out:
6 h 50 min 49 s
